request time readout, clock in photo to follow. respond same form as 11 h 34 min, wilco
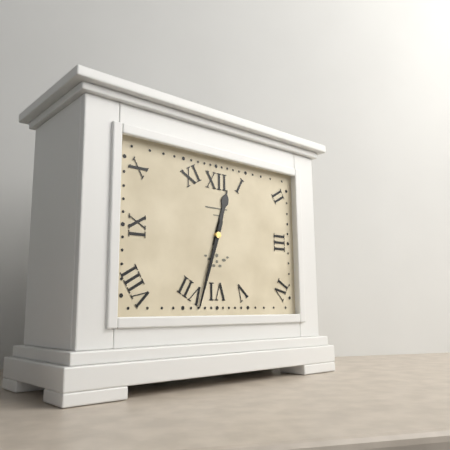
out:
12 h 33 min
